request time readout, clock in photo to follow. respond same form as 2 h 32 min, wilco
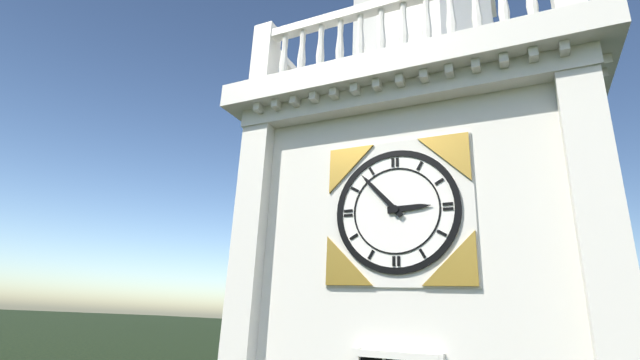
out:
2 h 53 min
